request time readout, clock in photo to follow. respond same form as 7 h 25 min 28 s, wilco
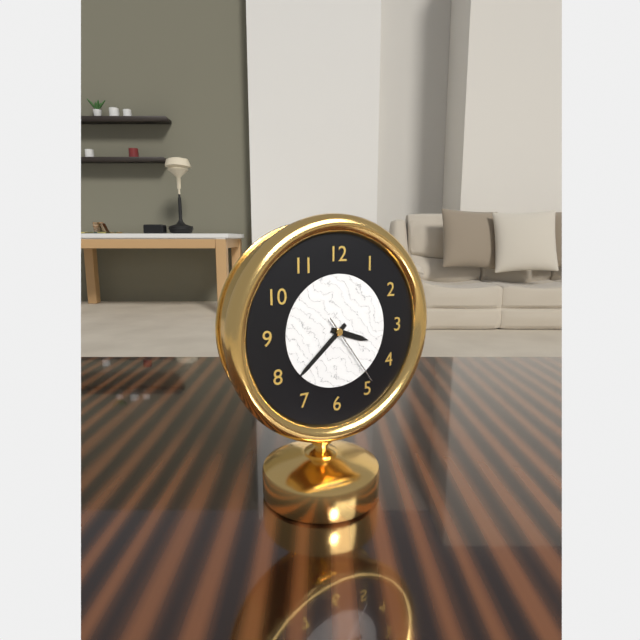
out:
3 h 38 min 24 s
